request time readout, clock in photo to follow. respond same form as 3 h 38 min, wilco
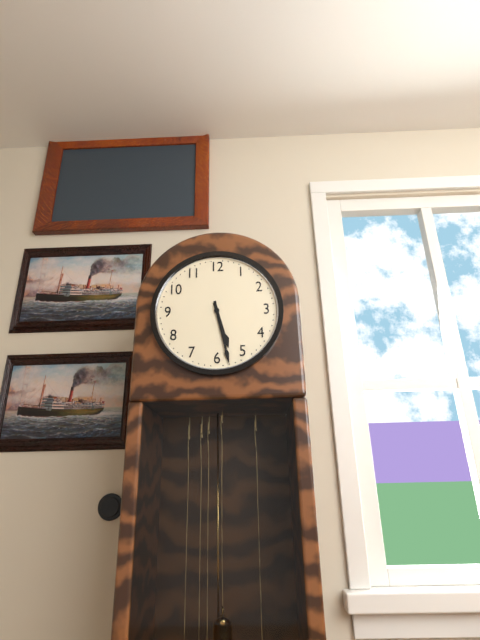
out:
5 h 28 min
